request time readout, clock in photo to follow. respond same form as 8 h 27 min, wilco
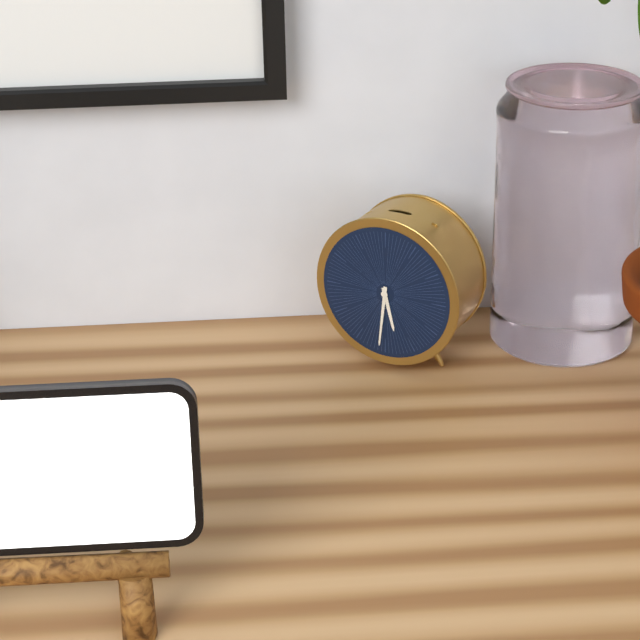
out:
5 h 31 min
